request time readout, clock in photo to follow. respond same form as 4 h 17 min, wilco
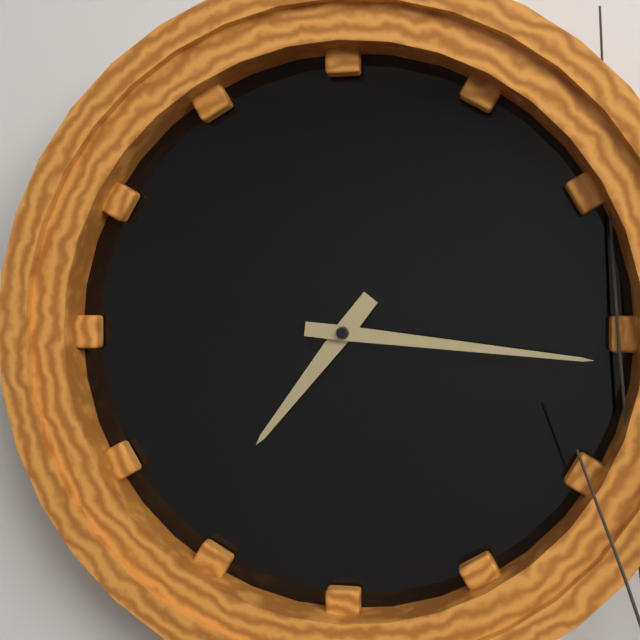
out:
7 h 16 min
